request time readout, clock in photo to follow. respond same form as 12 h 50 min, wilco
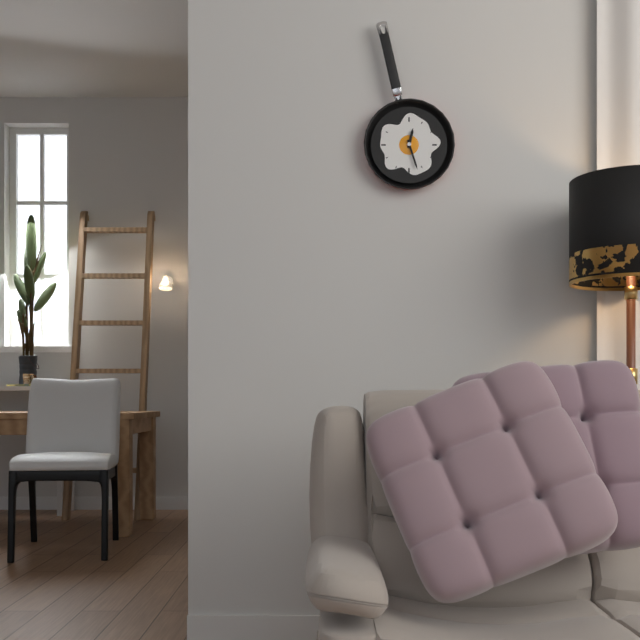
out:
12 h 27 min
